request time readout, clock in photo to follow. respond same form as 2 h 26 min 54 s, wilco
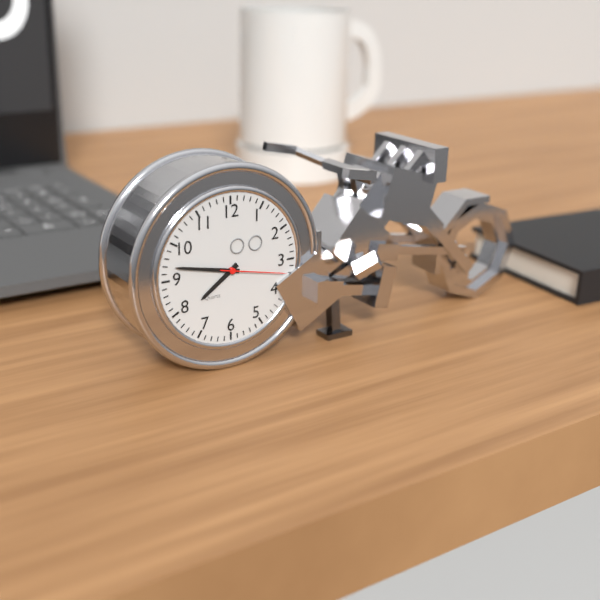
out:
7 h 47 min 17 s
